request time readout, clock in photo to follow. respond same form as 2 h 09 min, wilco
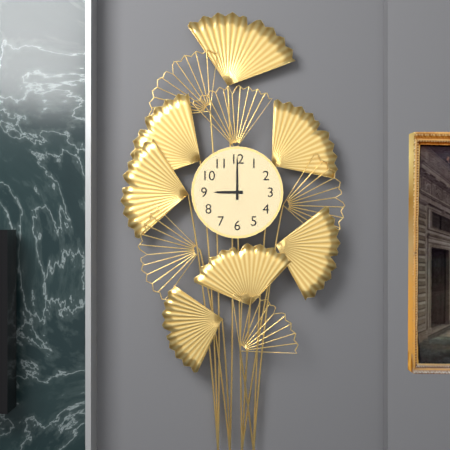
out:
9 h 00 min
